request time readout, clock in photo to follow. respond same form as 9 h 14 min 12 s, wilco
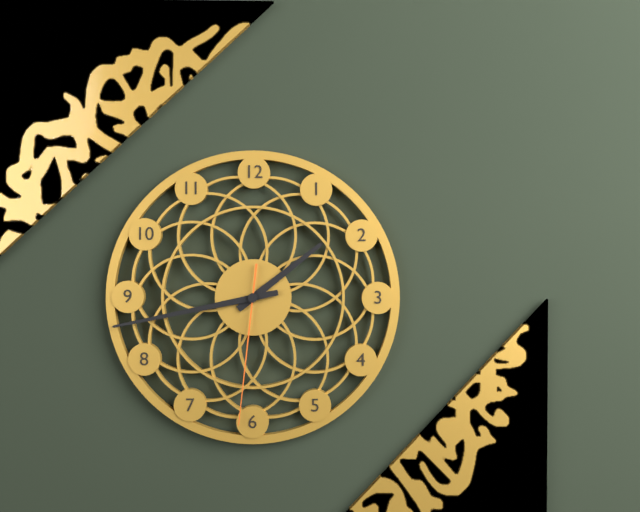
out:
1 h 43 min 31 s
